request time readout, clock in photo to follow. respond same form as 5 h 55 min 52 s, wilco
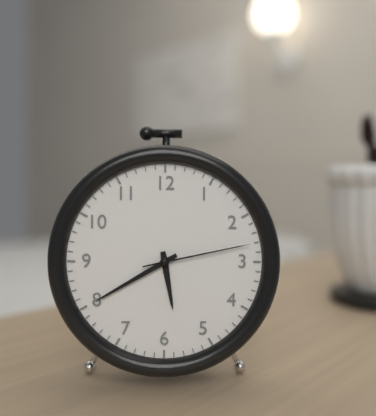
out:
5 h 40 min 13 s
